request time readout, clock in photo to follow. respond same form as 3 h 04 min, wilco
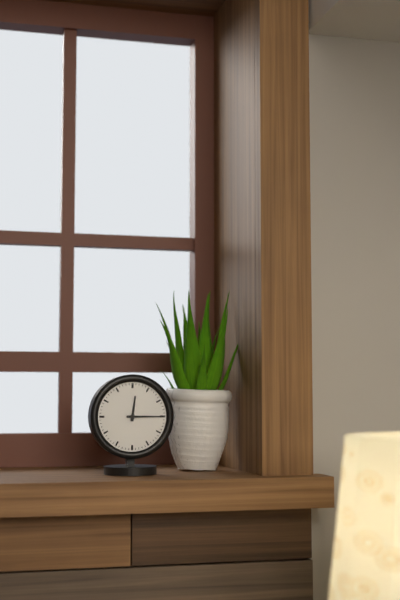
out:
12 h 15 min
